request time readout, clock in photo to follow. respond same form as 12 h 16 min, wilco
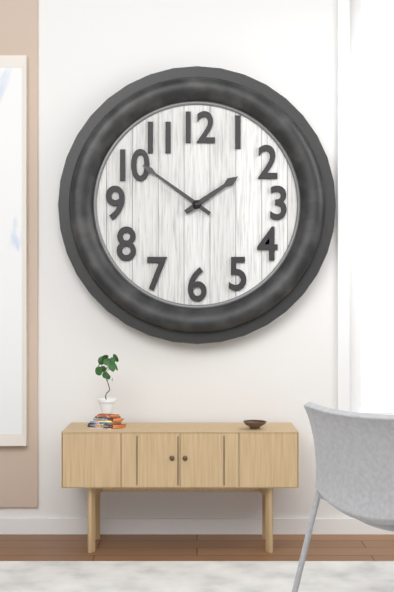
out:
1 h 51 min
